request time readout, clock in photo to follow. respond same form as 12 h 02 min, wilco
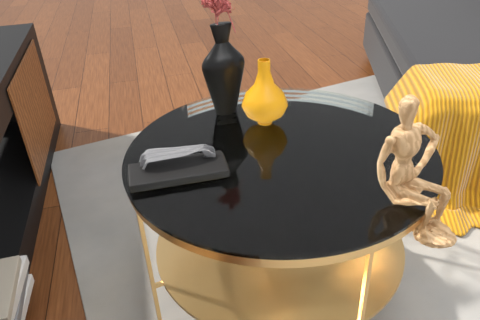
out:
6 h 55 min
